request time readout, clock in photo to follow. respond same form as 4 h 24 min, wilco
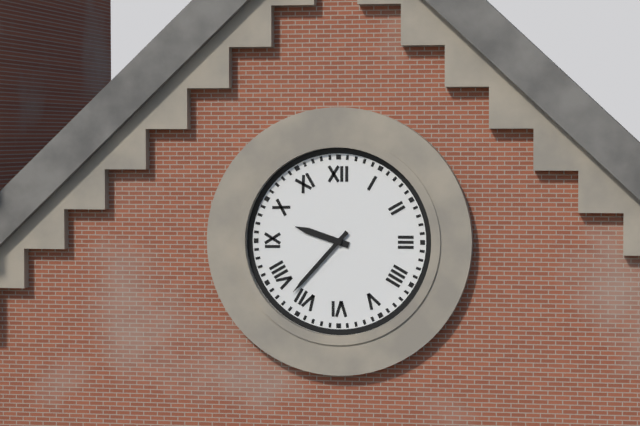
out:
9 h 37 min
